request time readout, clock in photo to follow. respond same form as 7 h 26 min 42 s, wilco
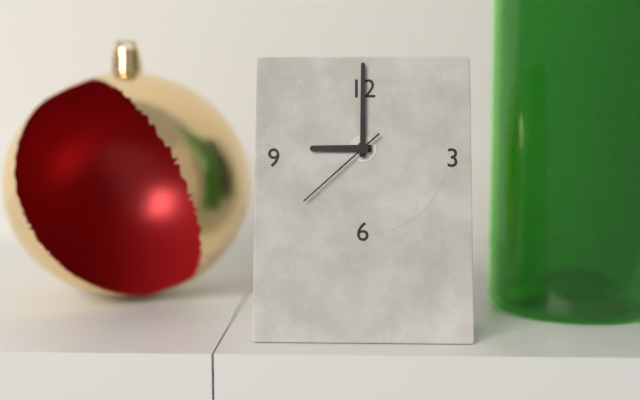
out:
9 h 00 min 38 s
